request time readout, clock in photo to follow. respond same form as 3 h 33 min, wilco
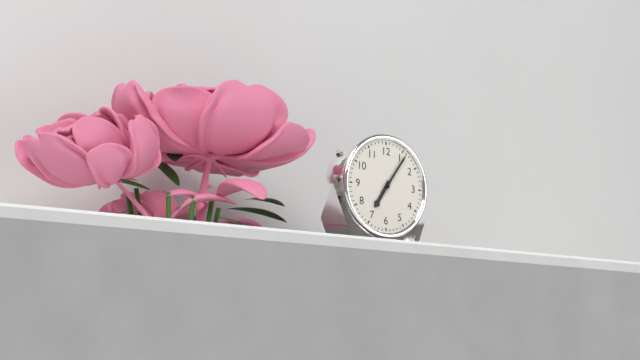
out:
7 h 06 min
